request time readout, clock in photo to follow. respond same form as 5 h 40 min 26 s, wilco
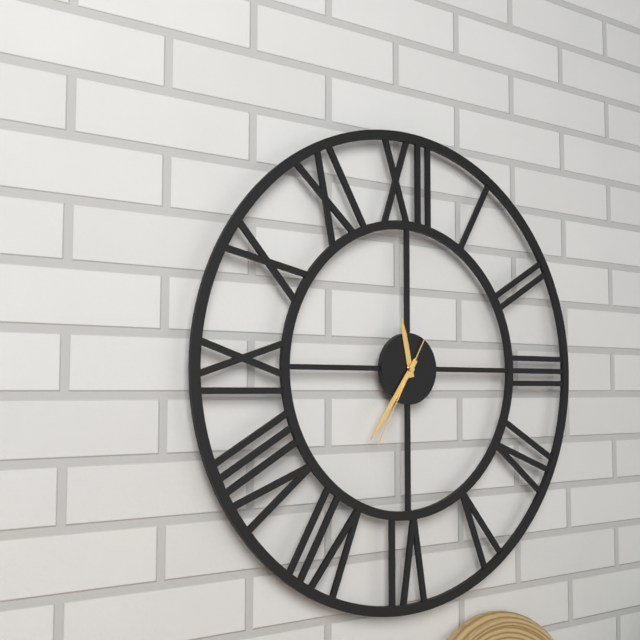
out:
11 h 36 min 35 s
